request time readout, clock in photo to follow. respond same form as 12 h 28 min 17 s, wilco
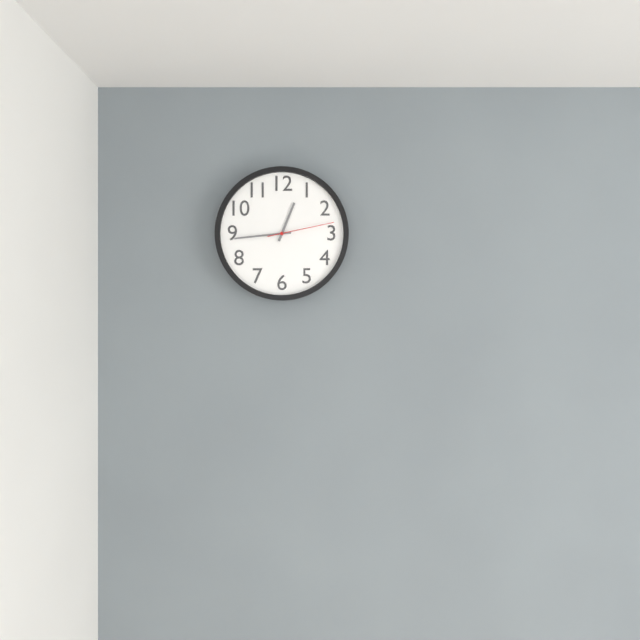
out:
12 h 44 min 13 s
